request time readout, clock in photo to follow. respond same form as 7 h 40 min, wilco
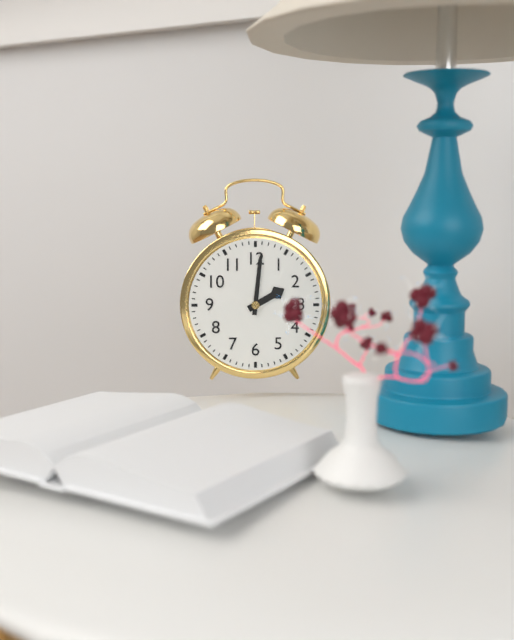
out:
2 h 01 min
